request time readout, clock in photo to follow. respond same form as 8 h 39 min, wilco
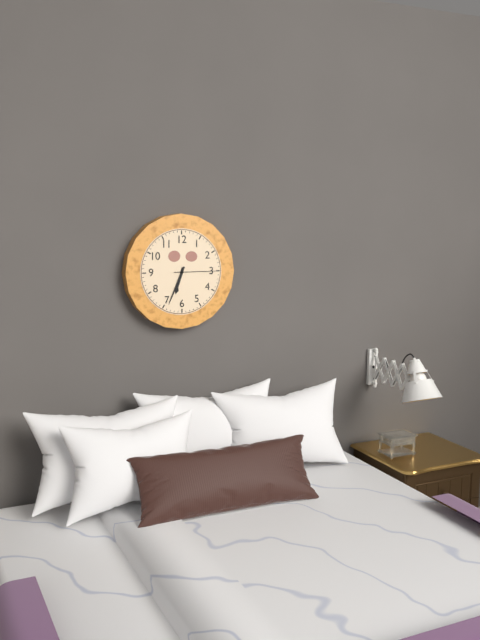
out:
6 h 34 min
